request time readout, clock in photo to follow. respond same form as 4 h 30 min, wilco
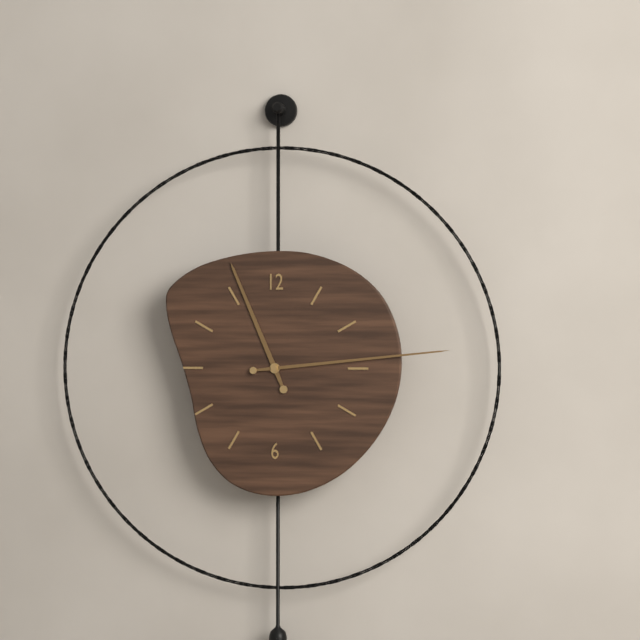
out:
11 h 14 min
